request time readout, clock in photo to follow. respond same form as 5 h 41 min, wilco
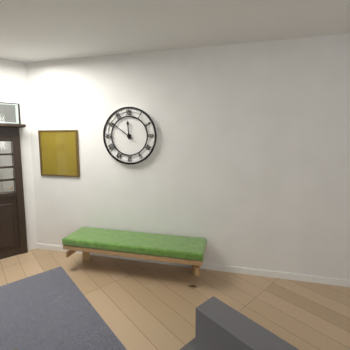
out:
11 h 51 min
